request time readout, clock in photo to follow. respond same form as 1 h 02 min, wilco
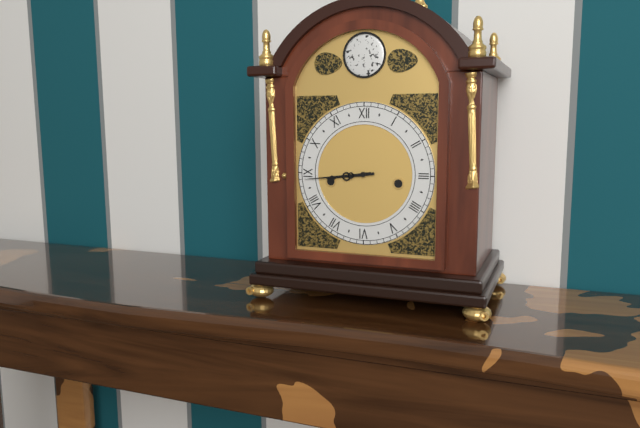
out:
8 h 44 min
